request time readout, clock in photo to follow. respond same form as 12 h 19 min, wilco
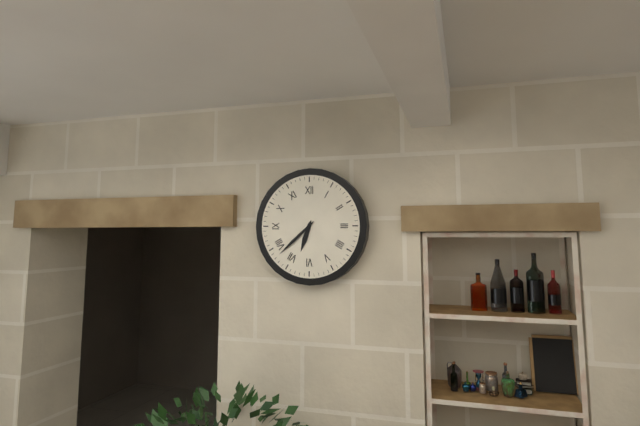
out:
6 h 38 min
